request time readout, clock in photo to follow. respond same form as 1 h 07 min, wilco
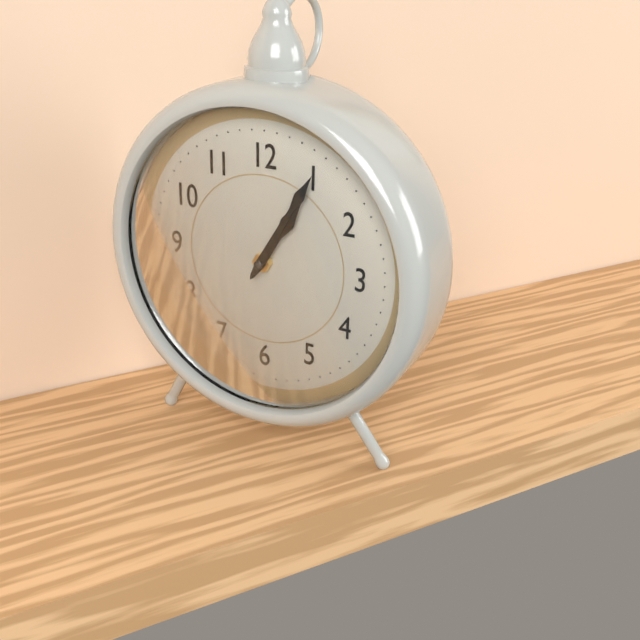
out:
1 h 05 min
